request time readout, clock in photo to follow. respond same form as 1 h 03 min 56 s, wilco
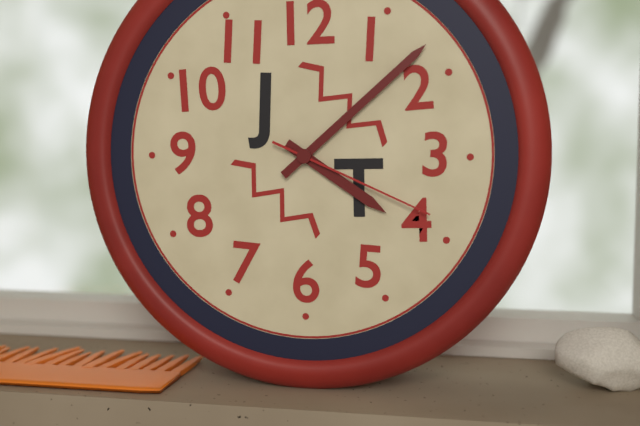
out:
4 h 08 min 19 s
